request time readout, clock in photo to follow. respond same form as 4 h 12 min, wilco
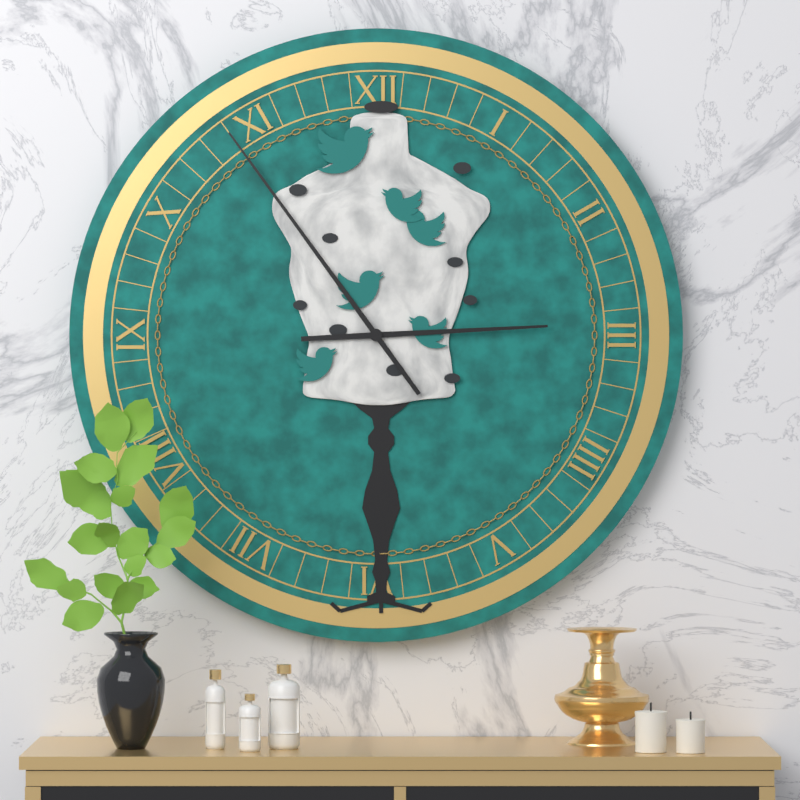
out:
2 h 54 min
